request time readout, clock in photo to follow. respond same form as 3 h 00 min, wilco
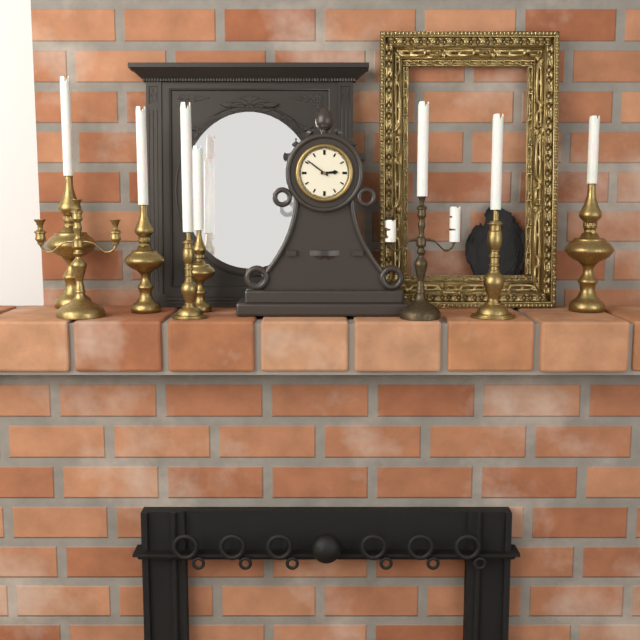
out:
2 h 51 min
